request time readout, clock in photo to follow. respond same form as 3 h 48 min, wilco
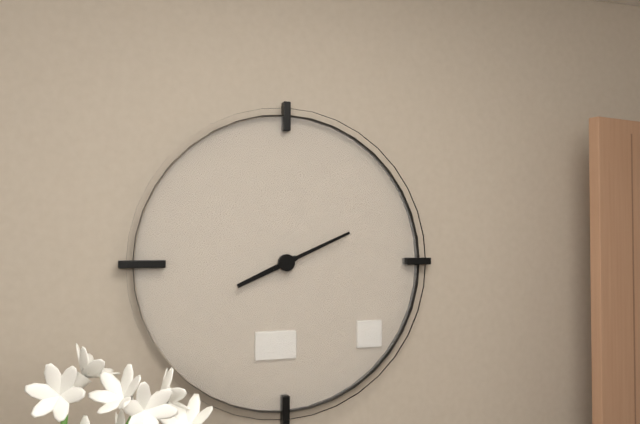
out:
8 h 11 min
